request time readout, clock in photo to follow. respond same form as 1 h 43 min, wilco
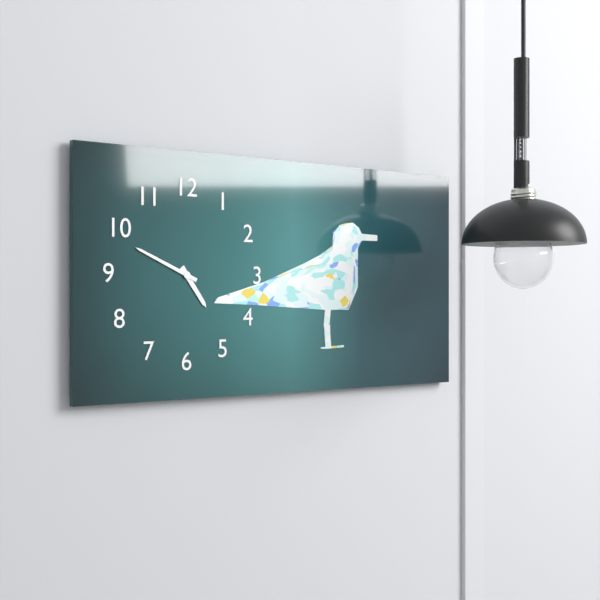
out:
4 h 49 min
